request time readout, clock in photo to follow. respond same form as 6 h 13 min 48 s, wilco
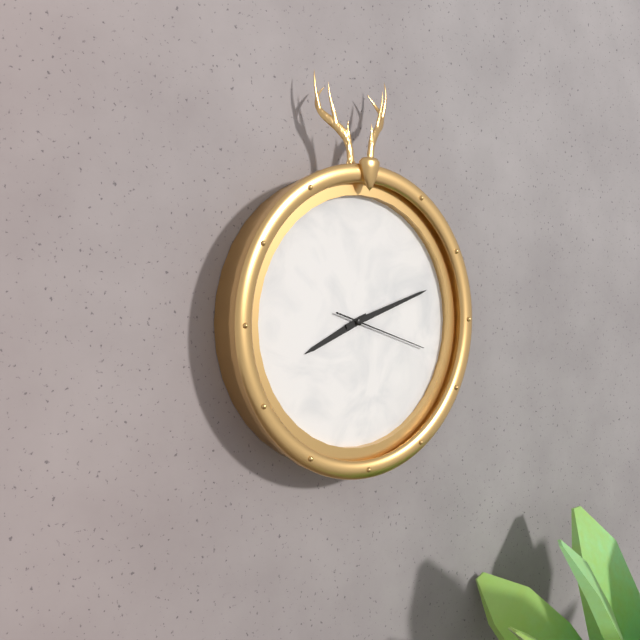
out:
8 h 12 min 18 s
